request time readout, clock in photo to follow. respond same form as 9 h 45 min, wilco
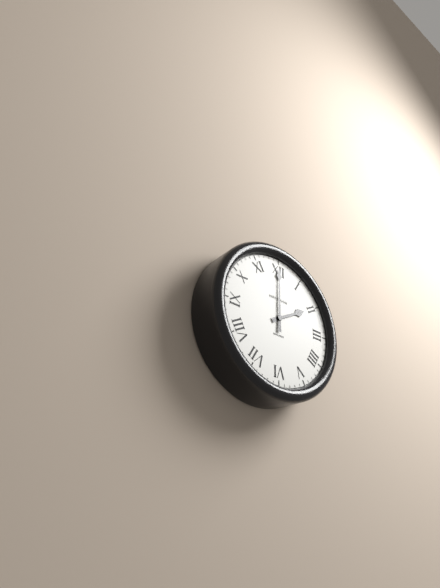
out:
2 h 00 min
